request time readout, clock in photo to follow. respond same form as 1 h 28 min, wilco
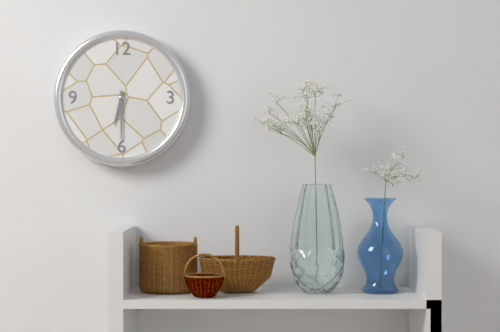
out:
6 h 30 min
